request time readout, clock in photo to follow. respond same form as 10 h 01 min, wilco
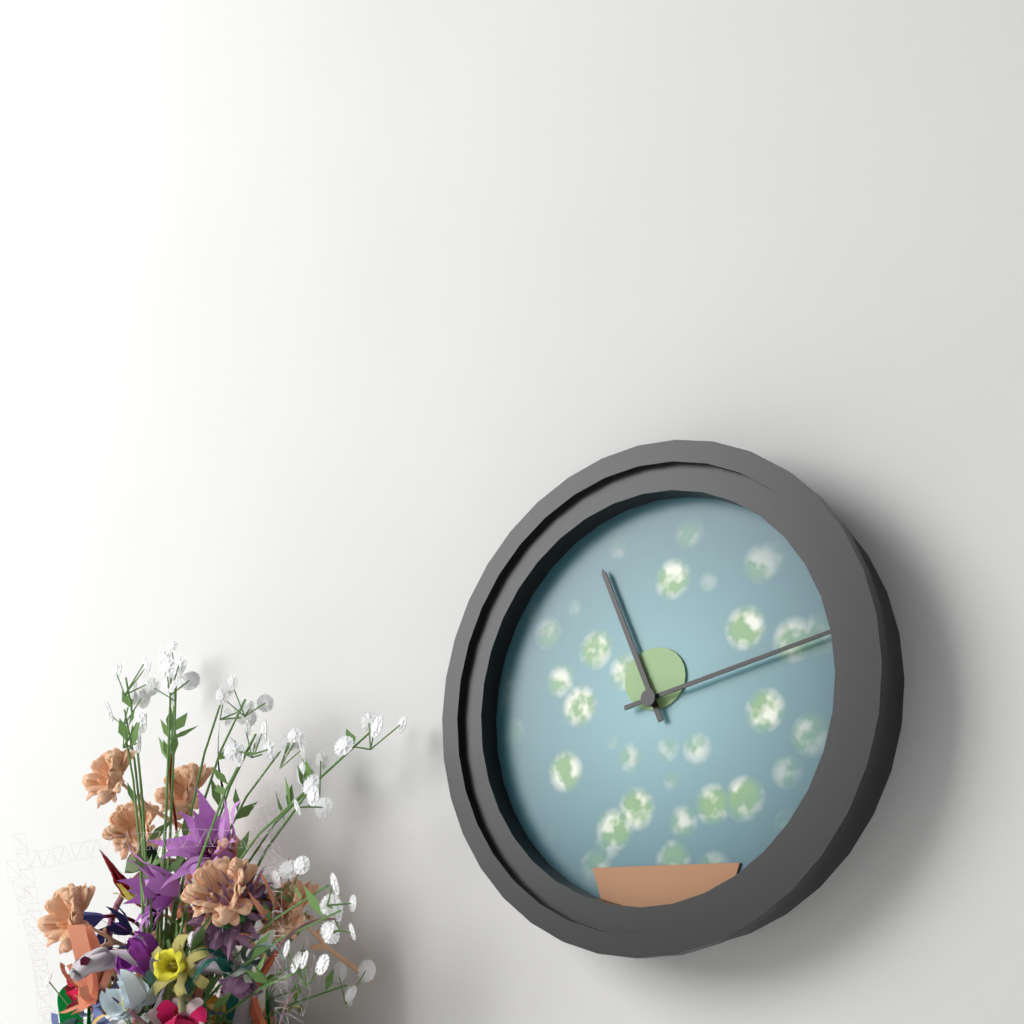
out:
11 h 13 min
